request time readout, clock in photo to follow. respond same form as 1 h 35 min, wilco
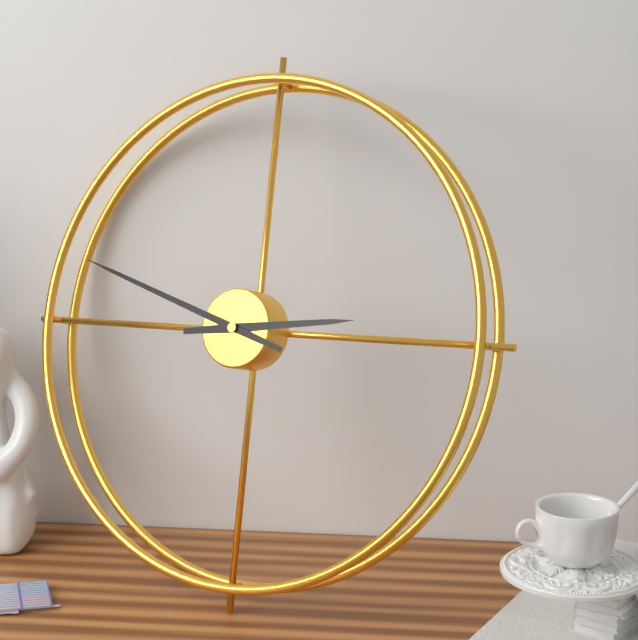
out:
2 h 48 min
